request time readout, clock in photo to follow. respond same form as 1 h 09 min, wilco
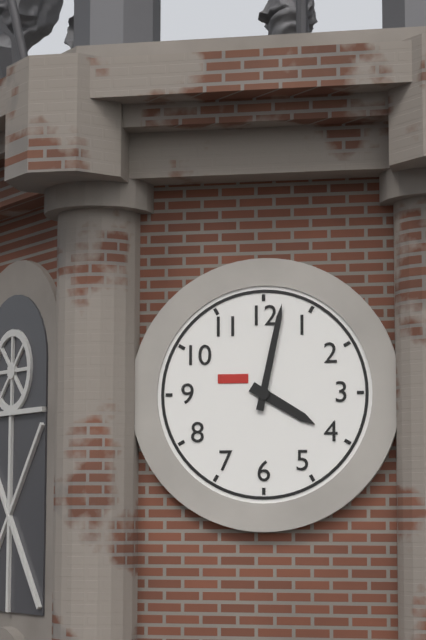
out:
4 h 02 min
